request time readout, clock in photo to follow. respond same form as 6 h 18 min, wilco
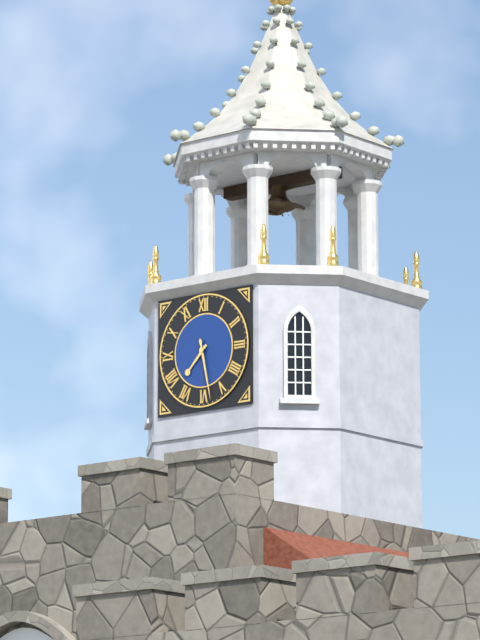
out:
7 h 28 min
